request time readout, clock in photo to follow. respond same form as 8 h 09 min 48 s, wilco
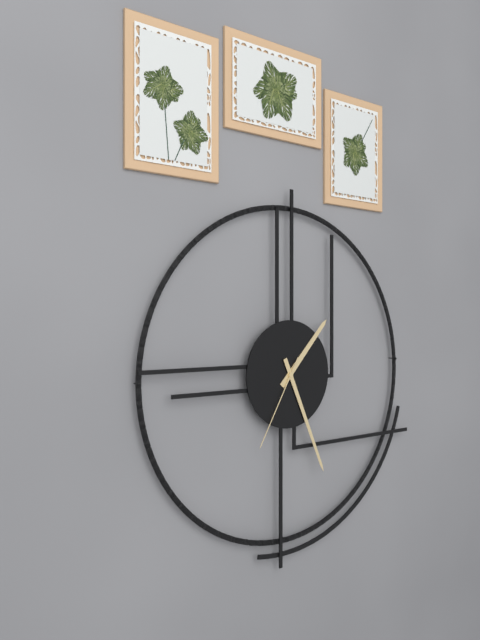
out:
1 h 26 min 35 s
